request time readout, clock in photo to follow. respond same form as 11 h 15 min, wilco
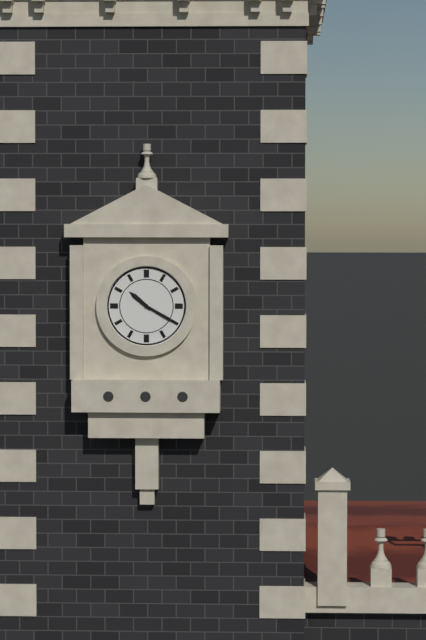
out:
10 h 20 min
